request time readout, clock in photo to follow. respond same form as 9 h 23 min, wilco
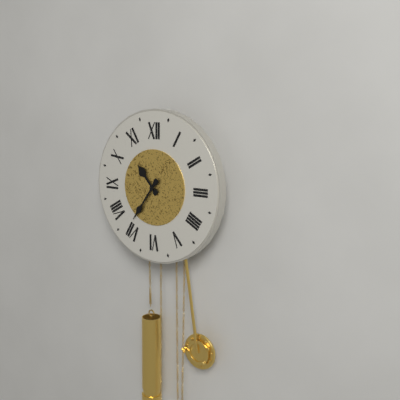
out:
10 h 36 min
